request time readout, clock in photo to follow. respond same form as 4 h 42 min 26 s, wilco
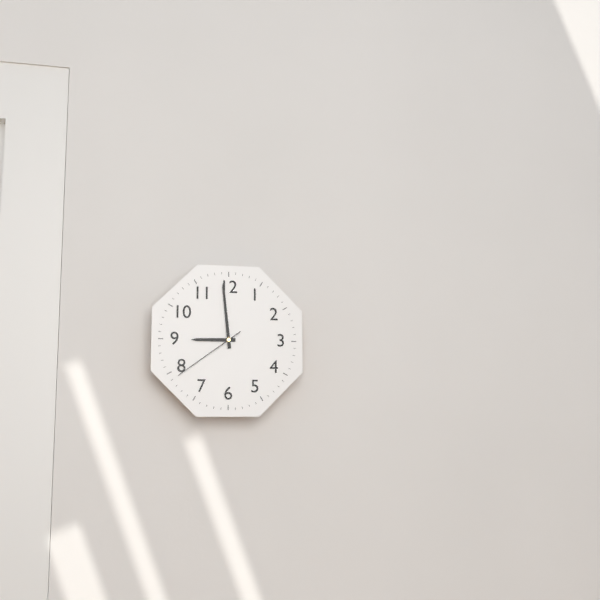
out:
8 h 59 min 39 s
